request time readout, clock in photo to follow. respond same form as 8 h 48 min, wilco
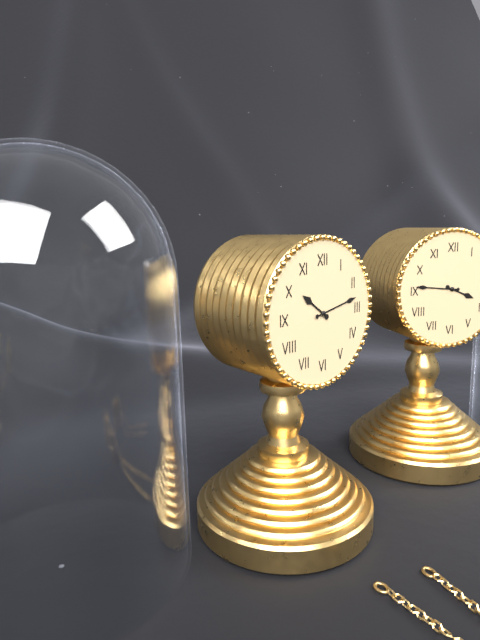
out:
10 h 13 min
